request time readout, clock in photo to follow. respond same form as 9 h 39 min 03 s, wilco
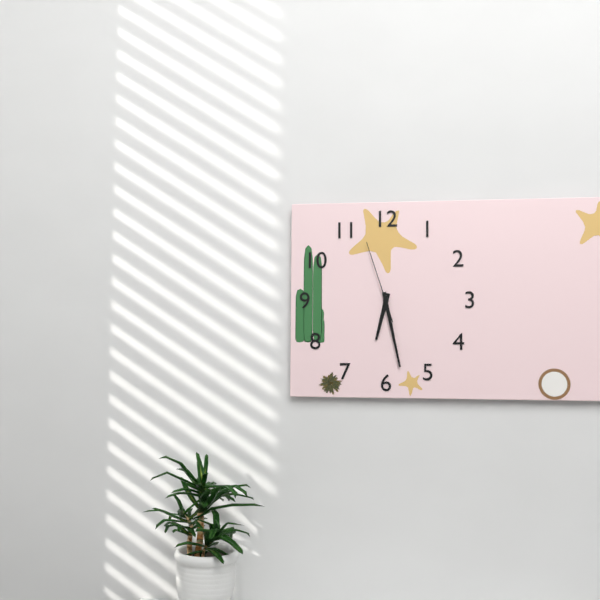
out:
6 h 28 min 57 s
